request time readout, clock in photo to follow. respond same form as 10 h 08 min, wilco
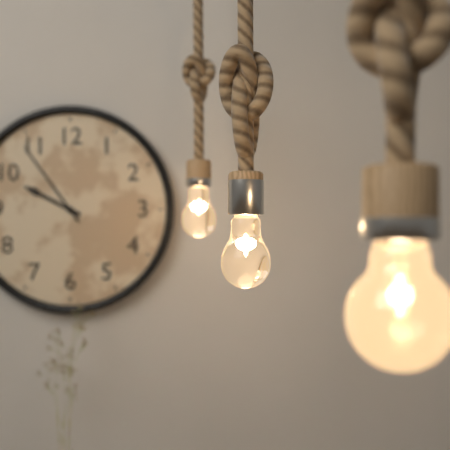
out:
9 h 54 min
